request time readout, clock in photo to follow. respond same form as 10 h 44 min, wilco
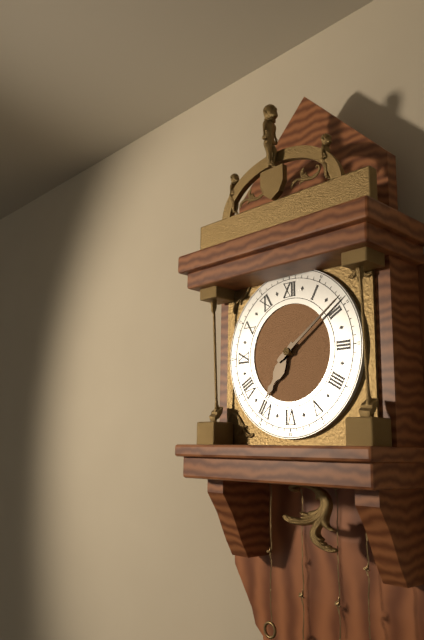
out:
7 h 09 min
